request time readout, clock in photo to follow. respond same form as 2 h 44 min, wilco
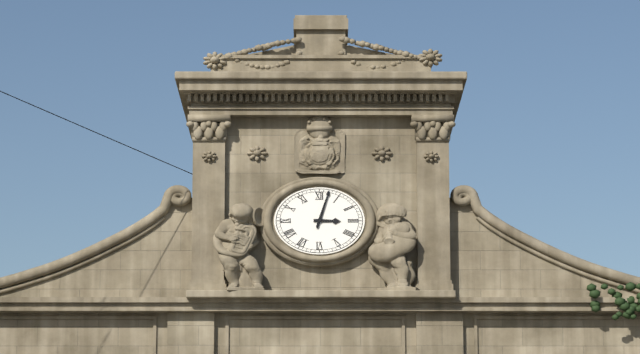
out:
3 h 03 min
